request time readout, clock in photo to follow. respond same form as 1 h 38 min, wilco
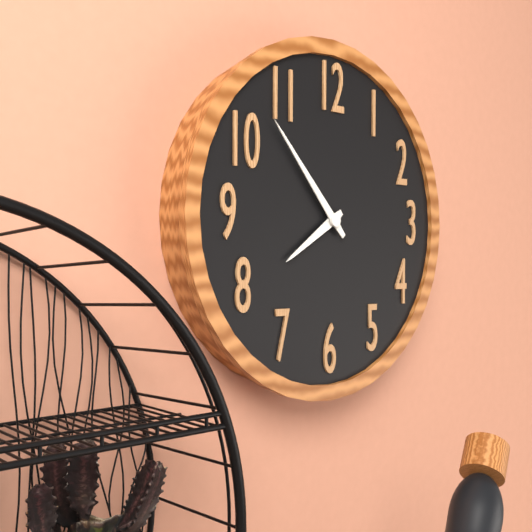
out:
7 h 53 min
